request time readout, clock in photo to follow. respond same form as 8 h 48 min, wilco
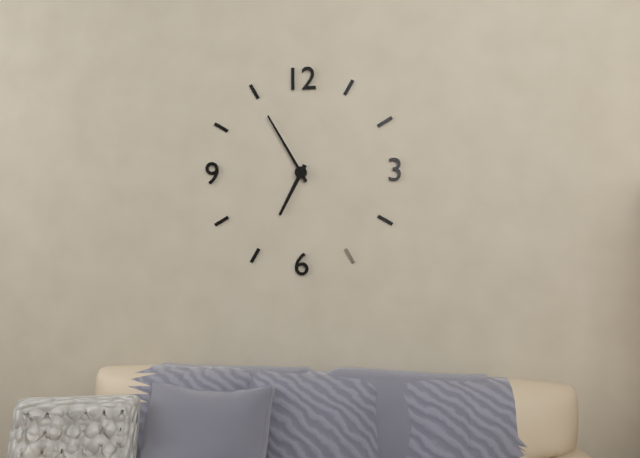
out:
6 h 55 min
